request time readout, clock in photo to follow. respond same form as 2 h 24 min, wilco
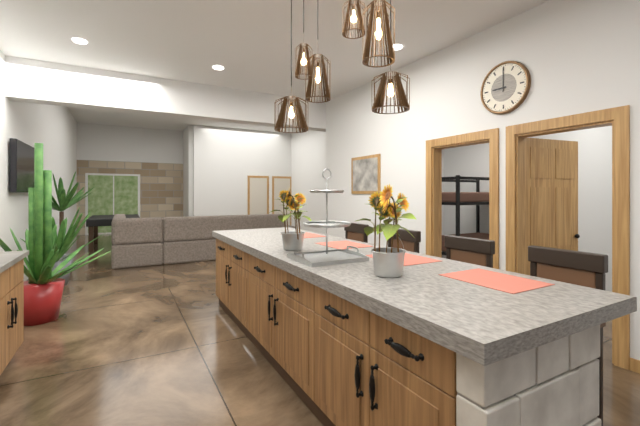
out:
9 h 00 min
